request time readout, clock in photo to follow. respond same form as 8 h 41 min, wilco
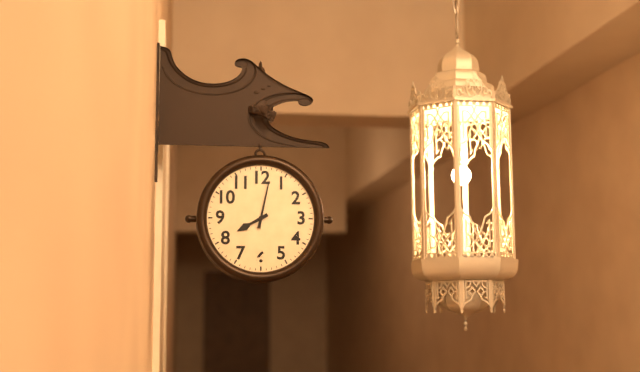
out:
8 h 02 min
